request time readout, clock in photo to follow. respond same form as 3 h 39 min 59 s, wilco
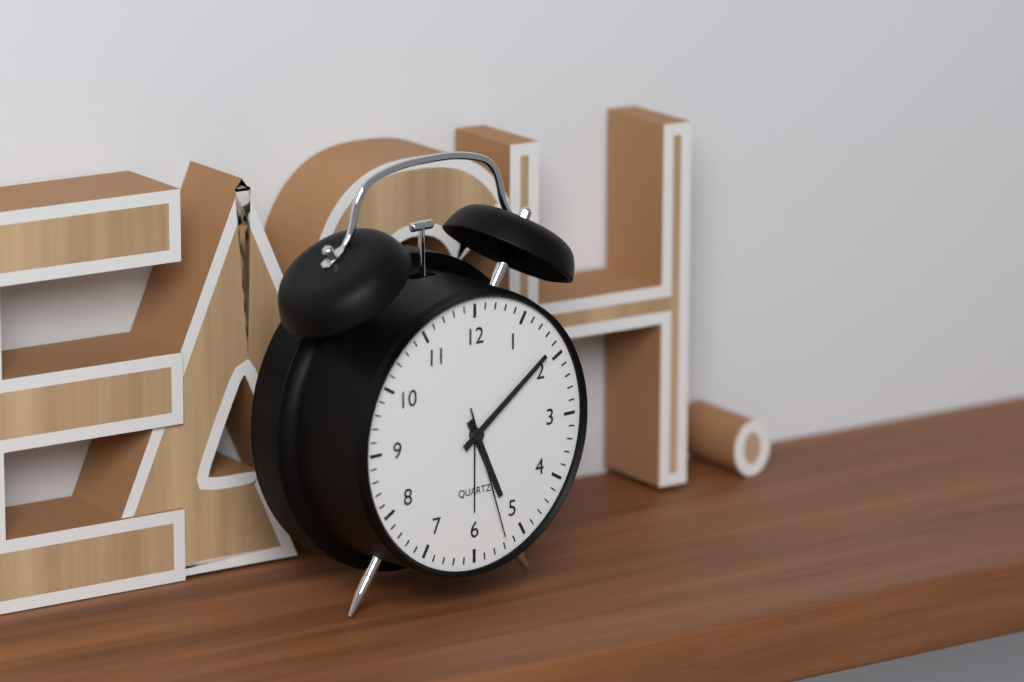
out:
5 h 09 min 27 s
